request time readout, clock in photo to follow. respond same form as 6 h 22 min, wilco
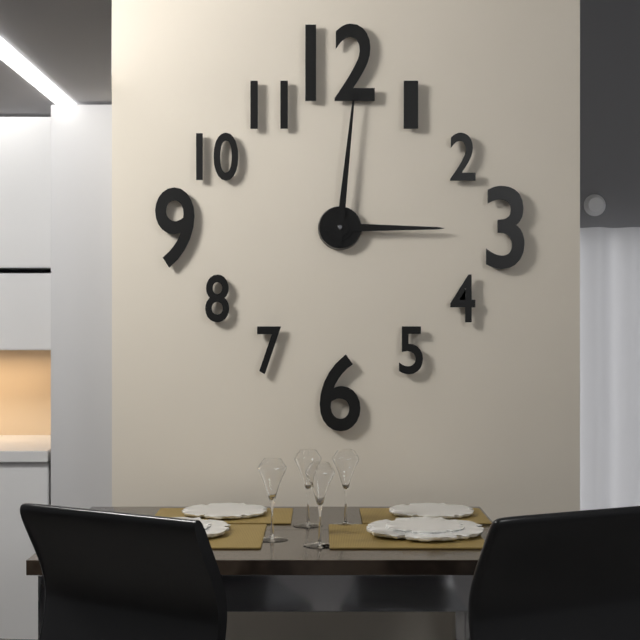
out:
3 h 01 min
